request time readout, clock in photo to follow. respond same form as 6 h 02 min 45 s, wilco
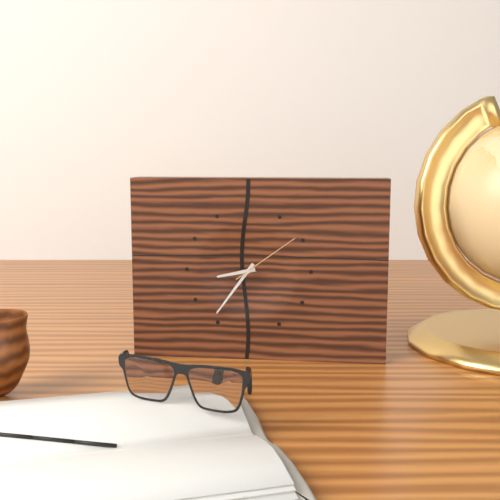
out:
8 h 36 min 09 s
